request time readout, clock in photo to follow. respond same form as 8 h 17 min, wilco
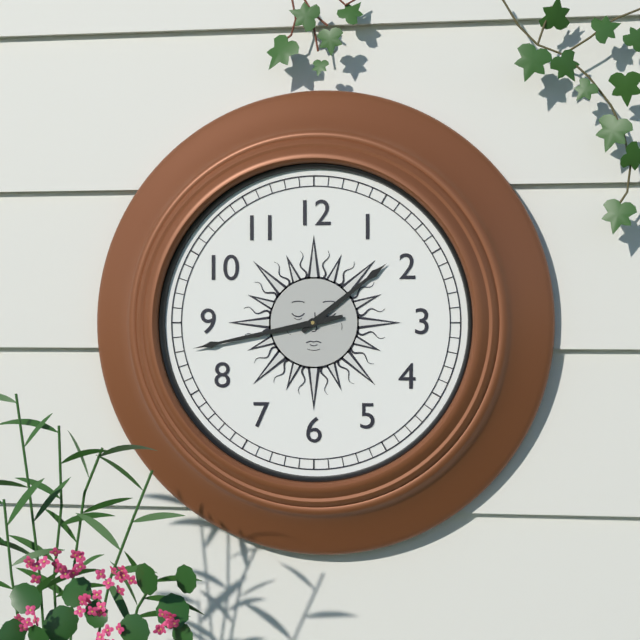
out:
1 h 43 min
